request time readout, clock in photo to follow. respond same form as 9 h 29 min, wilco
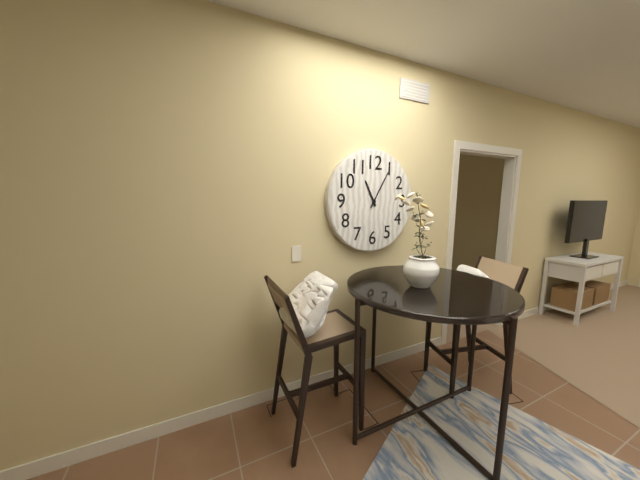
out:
11 h 05 min
